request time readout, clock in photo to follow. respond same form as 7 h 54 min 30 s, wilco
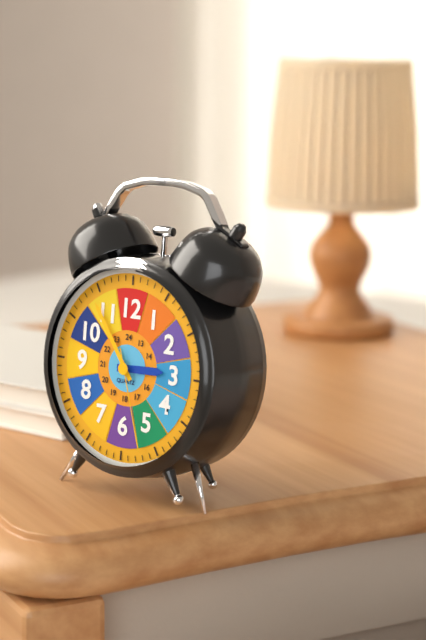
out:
2 h 54 min 27 s
